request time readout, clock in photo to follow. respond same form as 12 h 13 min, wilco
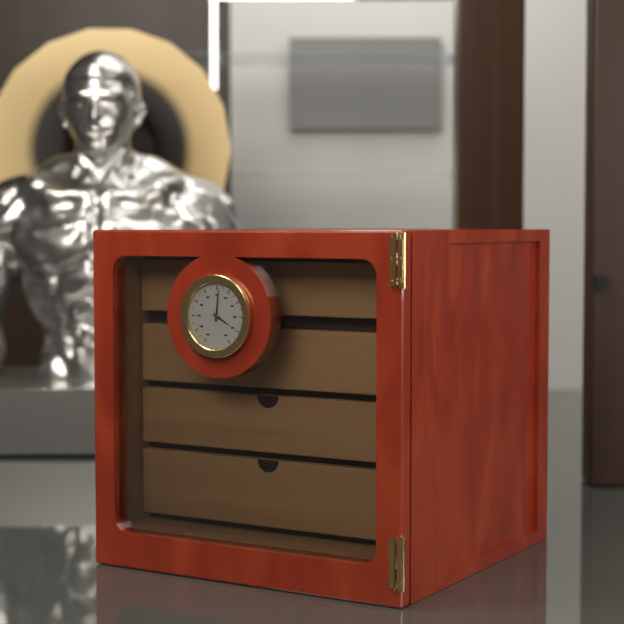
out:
4 h 01 min
